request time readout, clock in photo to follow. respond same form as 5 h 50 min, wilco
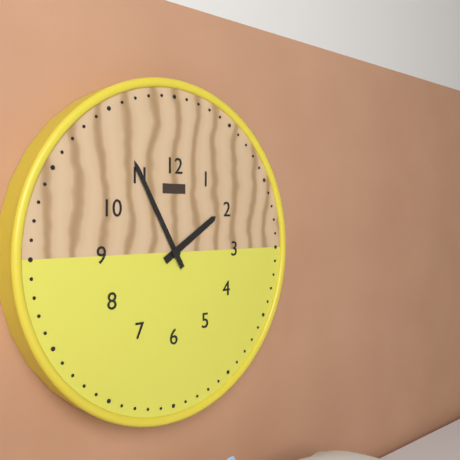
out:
1 h 55 min
